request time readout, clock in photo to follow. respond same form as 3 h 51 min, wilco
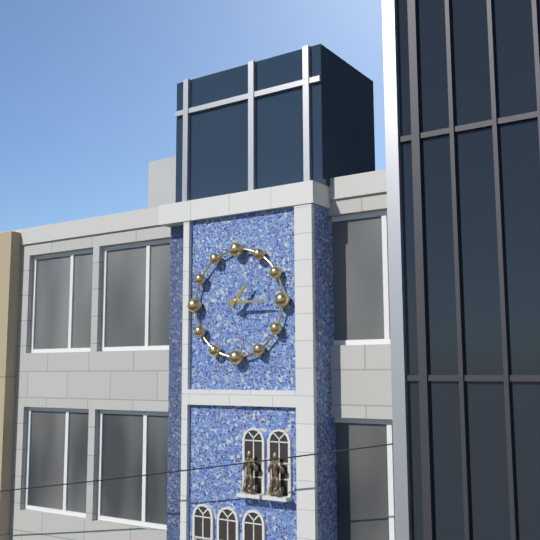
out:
1 h 15 min
